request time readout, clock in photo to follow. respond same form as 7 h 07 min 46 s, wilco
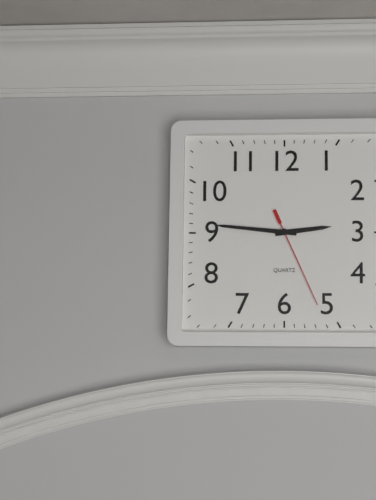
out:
2 h 46 min 26 s
